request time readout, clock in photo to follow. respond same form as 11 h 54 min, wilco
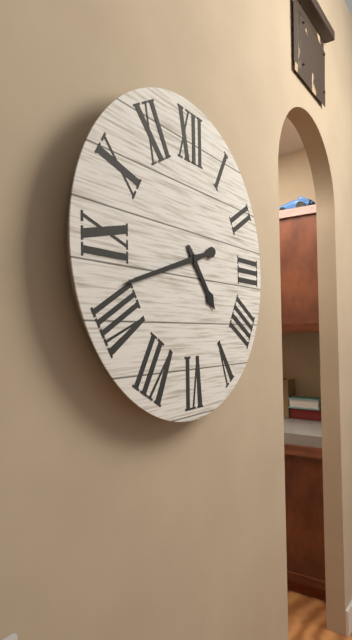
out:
4 h 42 min
